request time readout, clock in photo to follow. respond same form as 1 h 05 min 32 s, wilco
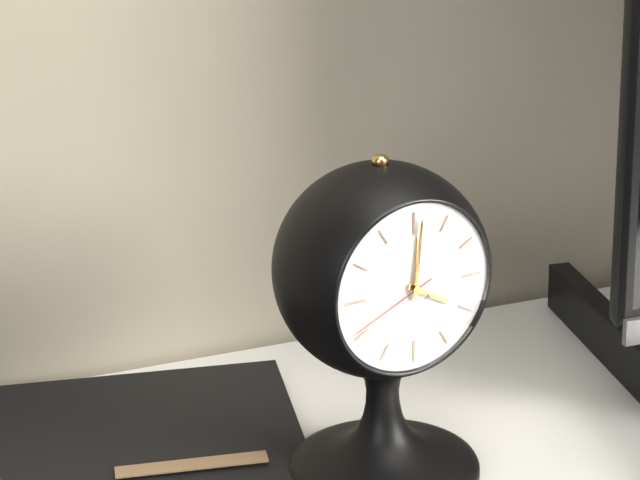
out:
4 h 01 min 41 s
